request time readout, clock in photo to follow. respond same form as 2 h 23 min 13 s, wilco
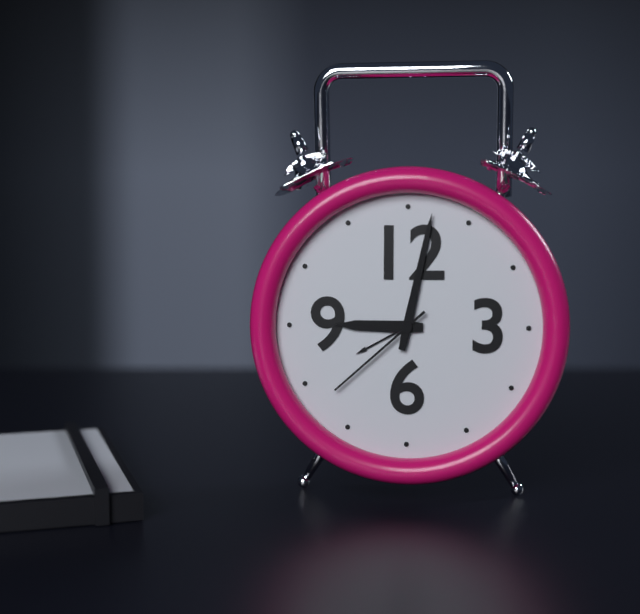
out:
9 h 02 min 38 s
